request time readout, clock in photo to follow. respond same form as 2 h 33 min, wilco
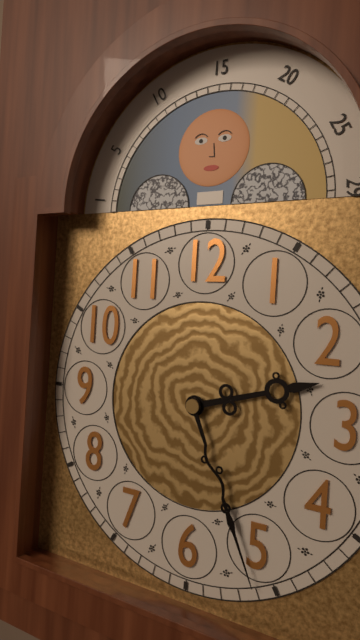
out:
2 h 26 min
